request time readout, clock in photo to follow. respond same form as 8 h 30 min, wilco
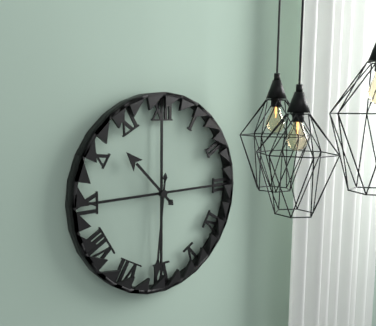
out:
10 h 31 min
